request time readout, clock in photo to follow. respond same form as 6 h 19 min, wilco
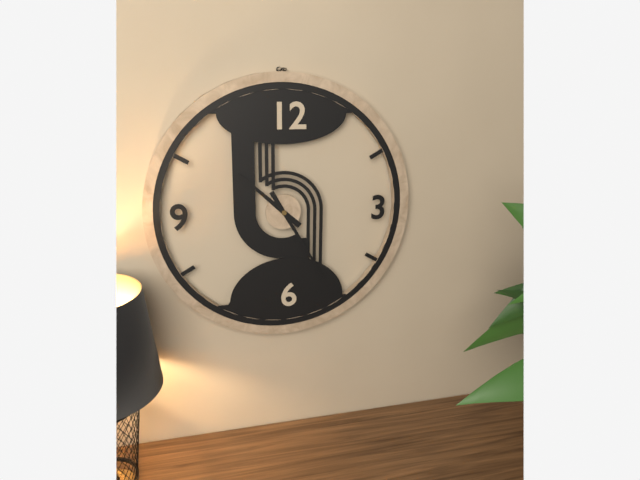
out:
10 h 25 min
